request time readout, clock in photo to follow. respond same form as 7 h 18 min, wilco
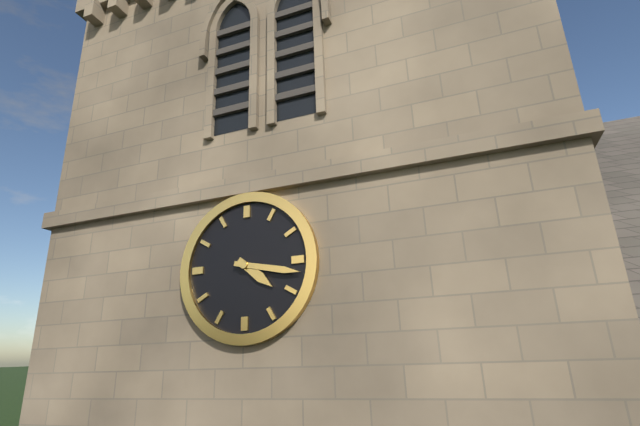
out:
4 h 17 min
